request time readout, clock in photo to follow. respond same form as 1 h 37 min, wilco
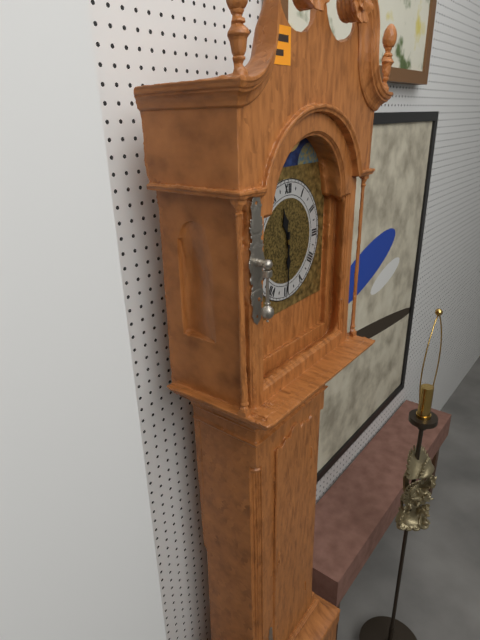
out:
11 h 30 min
